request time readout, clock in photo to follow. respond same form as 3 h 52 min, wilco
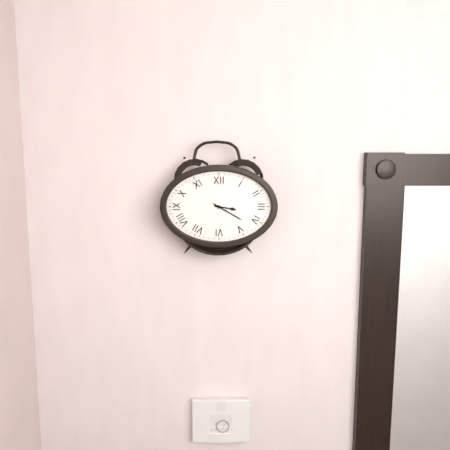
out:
3 h 20 min
